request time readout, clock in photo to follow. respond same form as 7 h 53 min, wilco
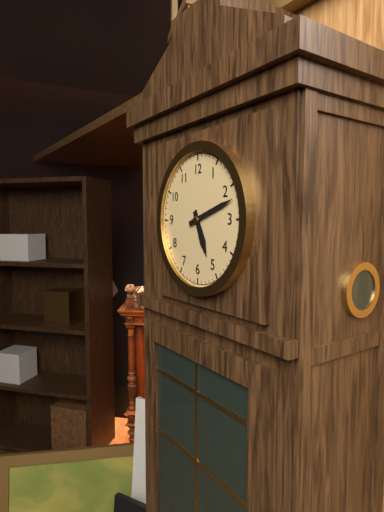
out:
5 h 12 min
